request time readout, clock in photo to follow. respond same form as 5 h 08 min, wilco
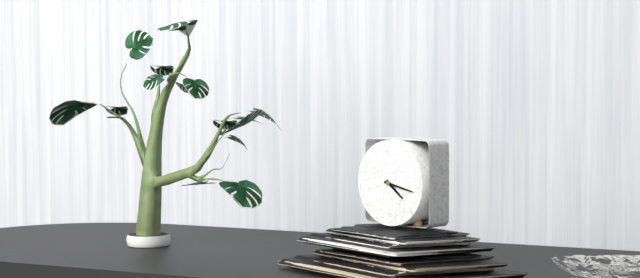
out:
4 h 17 min
